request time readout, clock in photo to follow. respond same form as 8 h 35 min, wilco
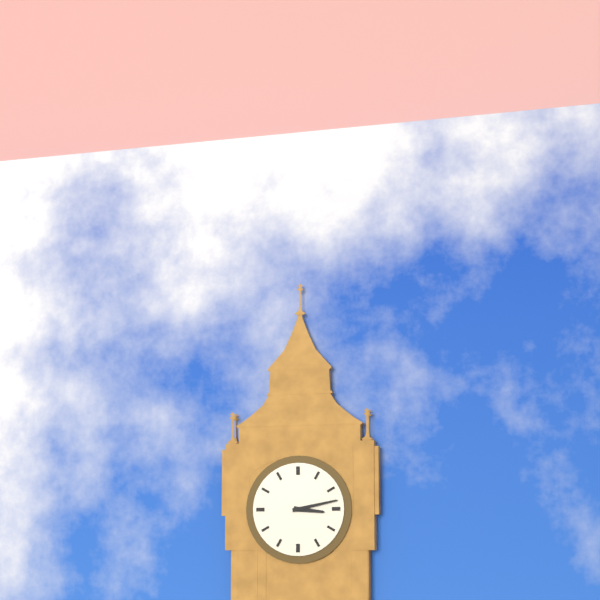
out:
3 h 13 min
